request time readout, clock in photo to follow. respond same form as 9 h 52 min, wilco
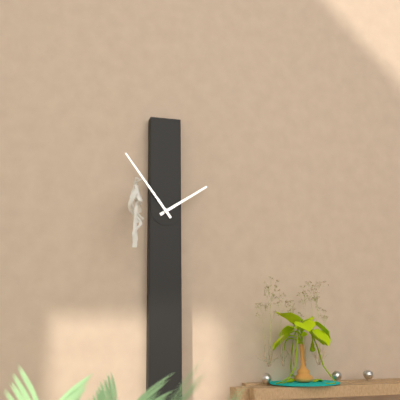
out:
1 h 54 min
